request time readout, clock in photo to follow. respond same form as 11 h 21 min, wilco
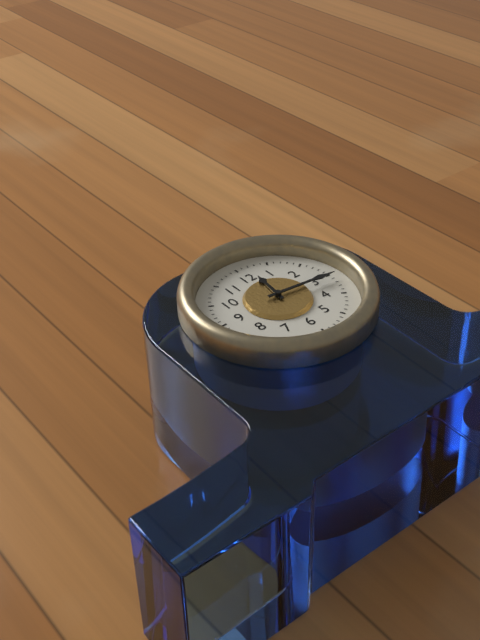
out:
12 h 16 min
